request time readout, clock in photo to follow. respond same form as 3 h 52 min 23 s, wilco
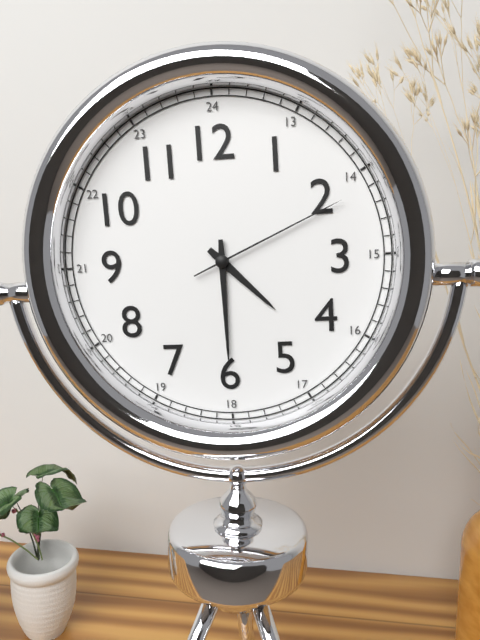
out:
4 h 30 min 11 s
